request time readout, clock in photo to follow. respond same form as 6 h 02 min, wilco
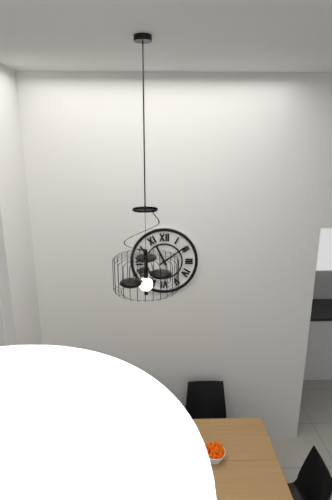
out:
11 h 09 min
